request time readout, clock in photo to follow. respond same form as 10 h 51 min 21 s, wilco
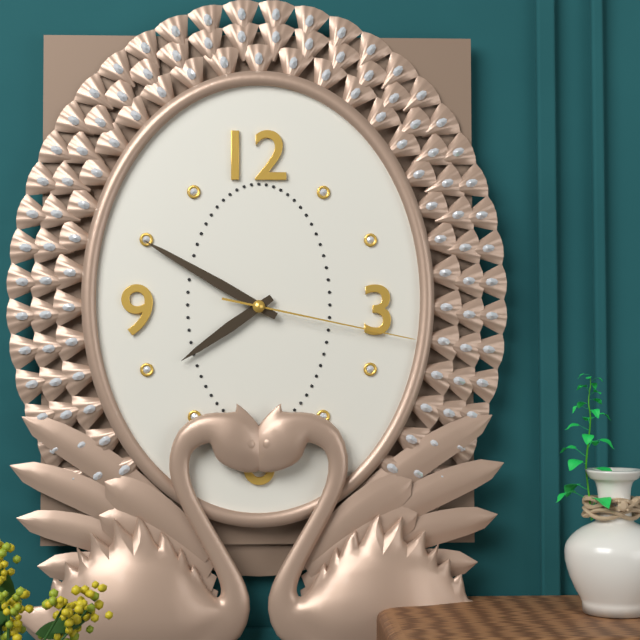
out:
7 h 50 min 17 s
